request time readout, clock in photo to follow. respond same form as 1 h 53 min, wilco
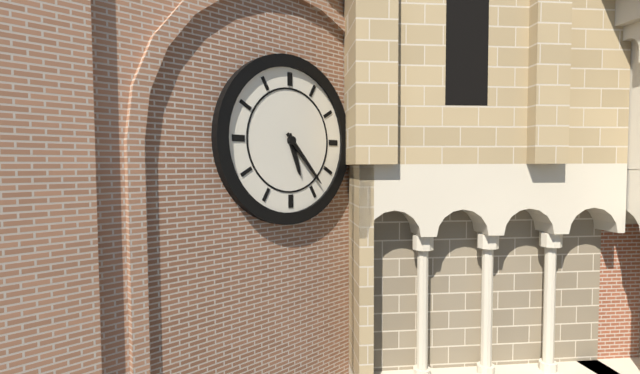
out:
5 h 23 min
